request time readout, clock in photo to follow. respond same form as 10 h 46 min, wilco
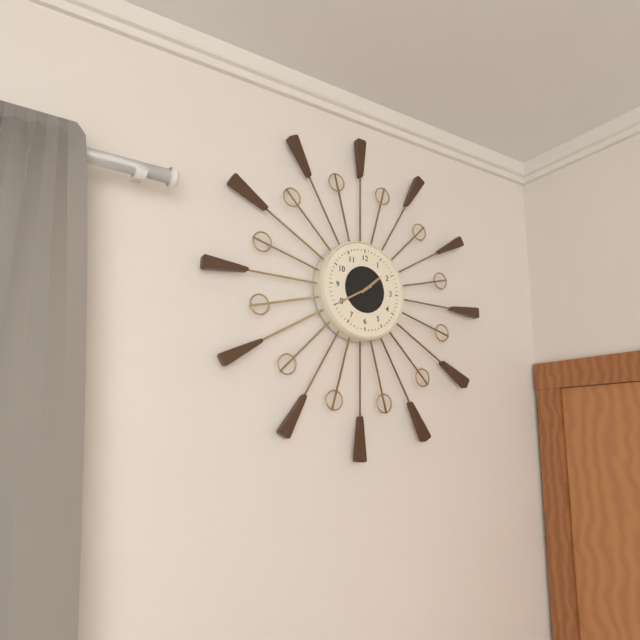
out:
1 h 40 min
